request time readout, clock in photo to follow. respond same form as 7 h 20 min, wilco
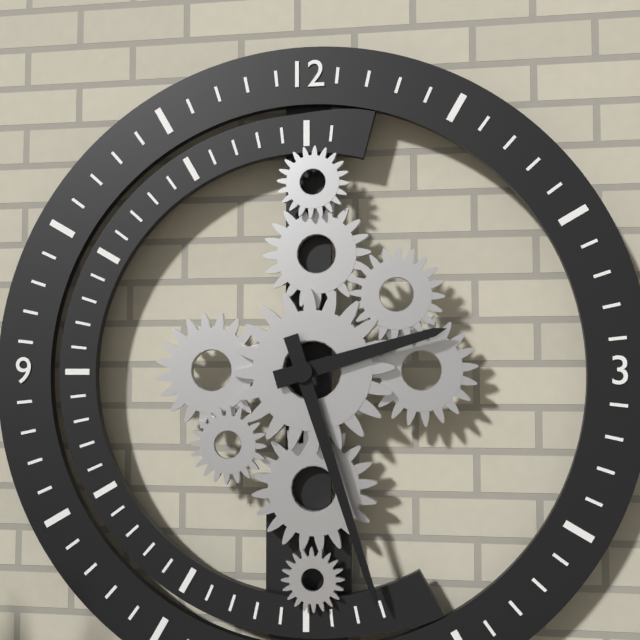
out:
2 h 27 min
